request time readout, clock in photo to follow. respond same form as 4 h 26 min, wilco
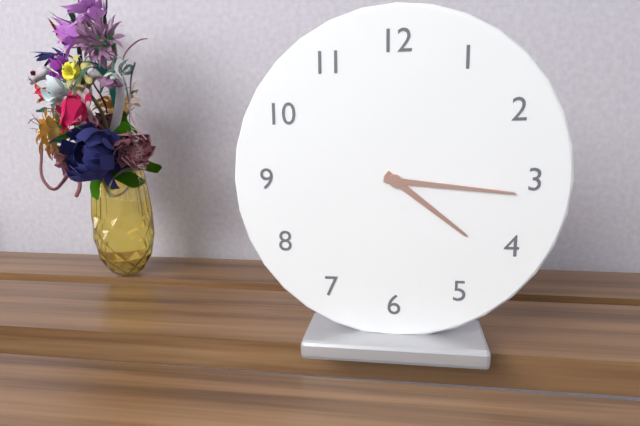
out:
4 h 16 min
